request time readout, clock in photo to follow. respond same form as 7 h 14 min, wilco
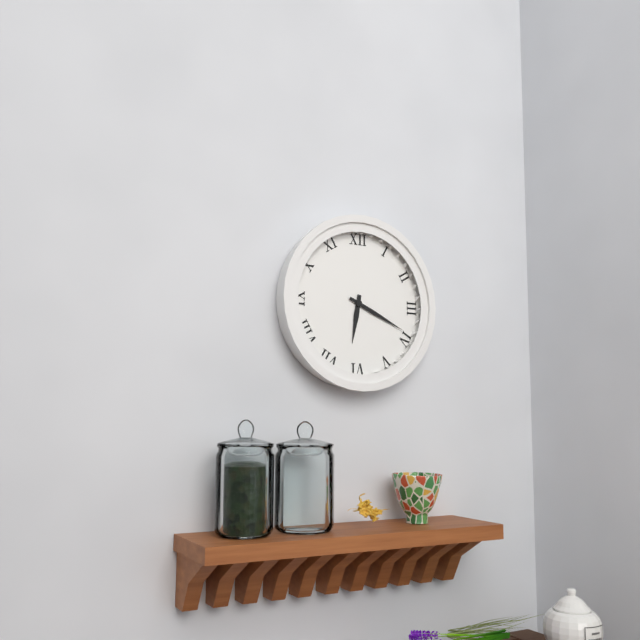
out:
6 h 19 min
